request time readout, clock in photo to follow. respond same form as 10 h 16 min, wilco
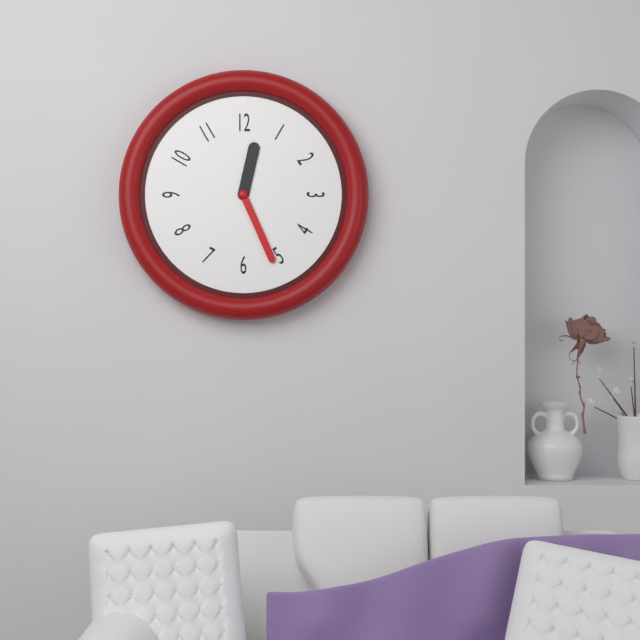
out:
12 h 26 min
